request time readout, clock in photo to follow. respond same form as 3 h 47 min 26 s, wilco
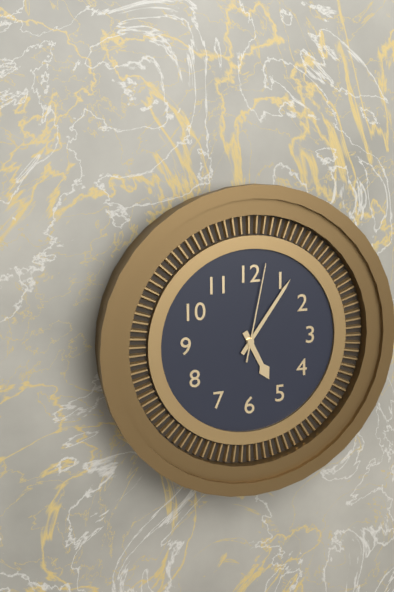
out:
5 h 06 min 02 s
